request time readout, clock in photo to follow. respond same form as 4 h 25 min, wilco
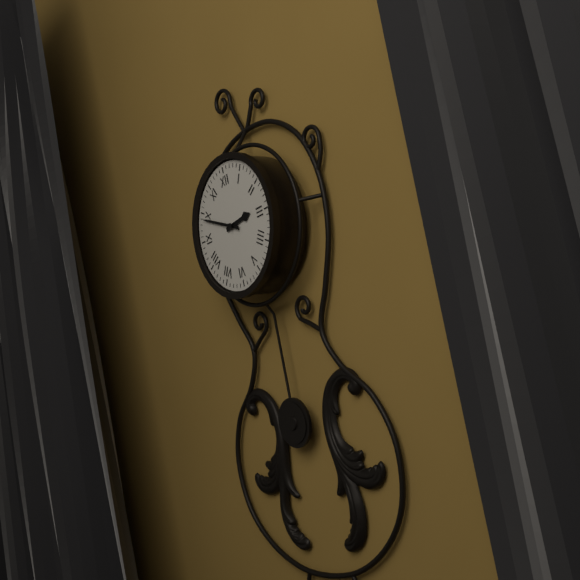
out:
2 h 49 min
